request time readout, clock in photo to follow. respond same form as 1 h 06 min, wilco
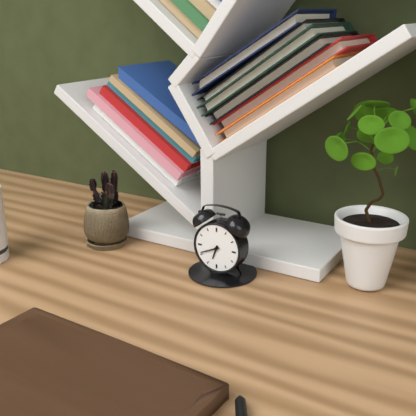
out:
6 h 41 min
